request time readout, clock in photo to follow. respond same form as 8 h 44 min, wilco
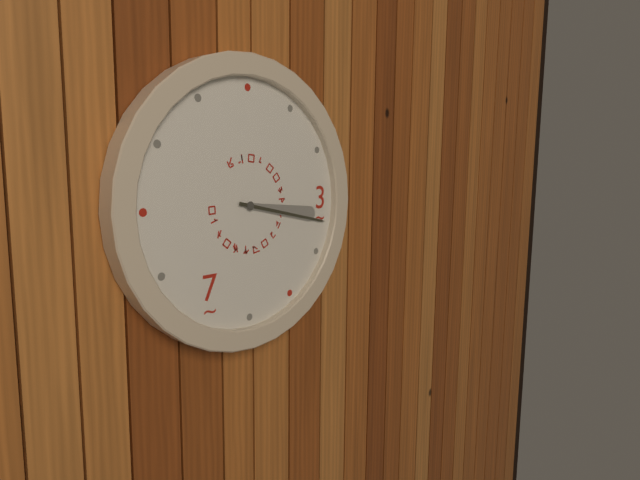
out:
3 h 17 min
